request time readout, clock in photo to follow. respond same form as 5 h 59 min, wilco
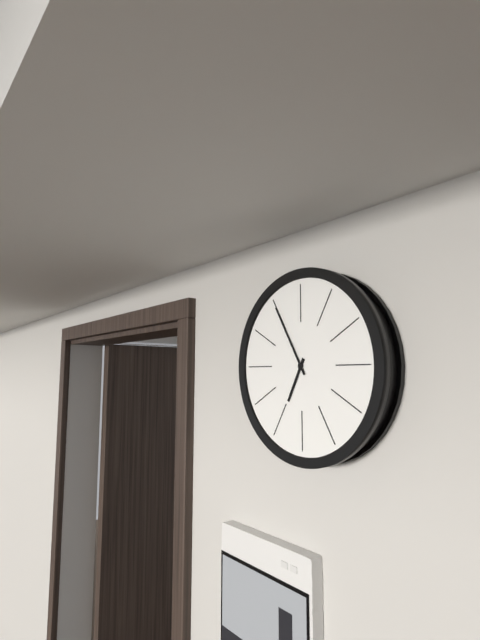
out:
6 h 55 min
